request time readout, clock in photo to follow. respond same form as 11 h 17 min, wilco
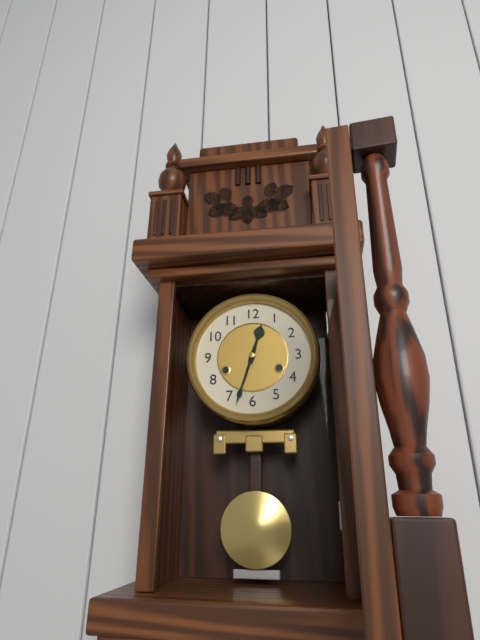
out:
12 h 33 min
